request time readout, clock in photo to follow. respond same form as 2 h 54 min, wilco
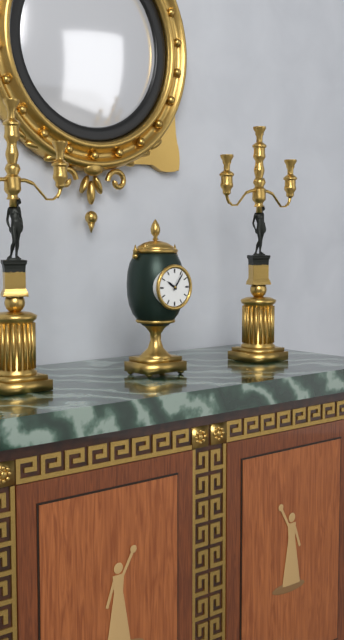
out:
10 h 06 min
